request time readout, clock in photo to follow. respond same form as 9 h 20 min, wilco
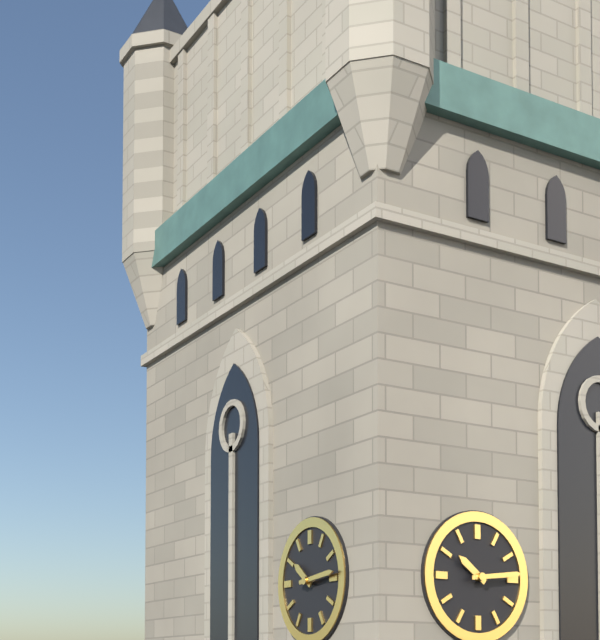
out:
10 h 14 min
